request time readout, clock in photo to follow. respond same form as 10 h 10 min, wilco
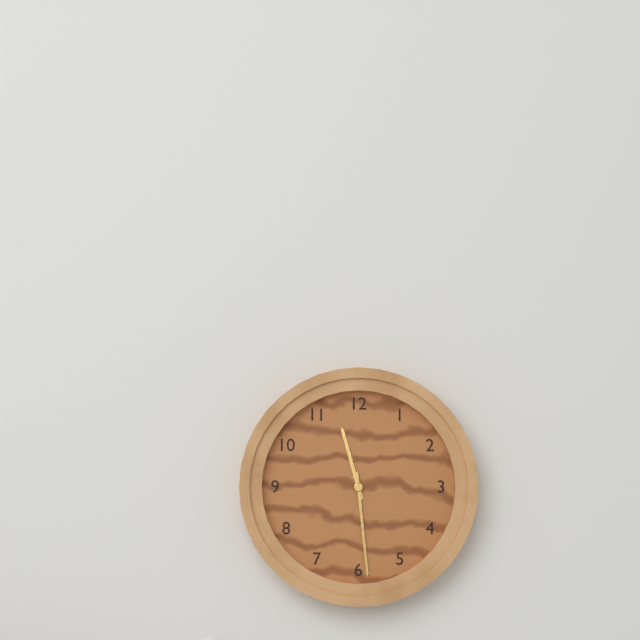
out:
11 h 29 min
